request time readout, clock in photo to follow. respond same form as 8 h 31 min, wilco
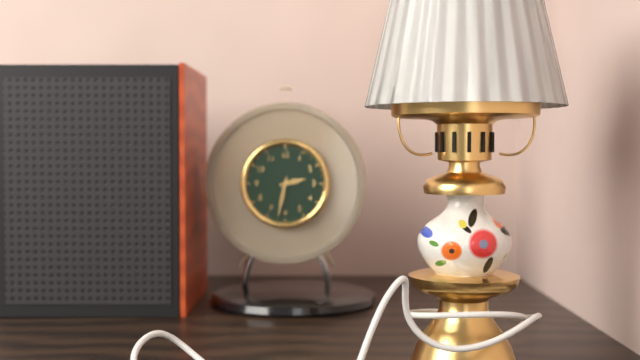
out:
2 h 32 min
